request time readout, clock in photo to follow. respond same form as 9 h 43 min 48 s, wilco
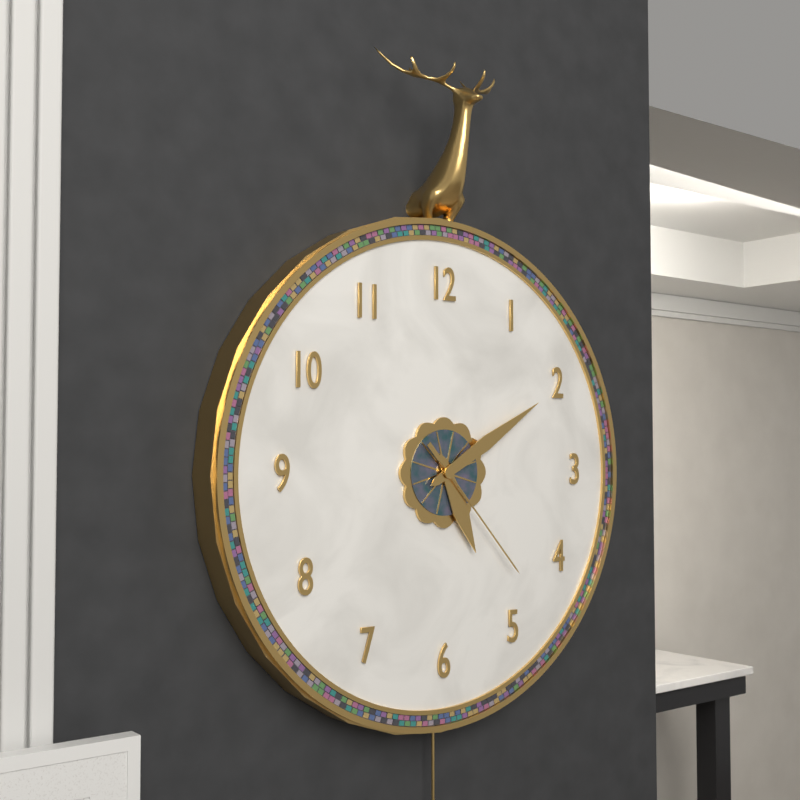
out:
5 h 10 min 23 s
